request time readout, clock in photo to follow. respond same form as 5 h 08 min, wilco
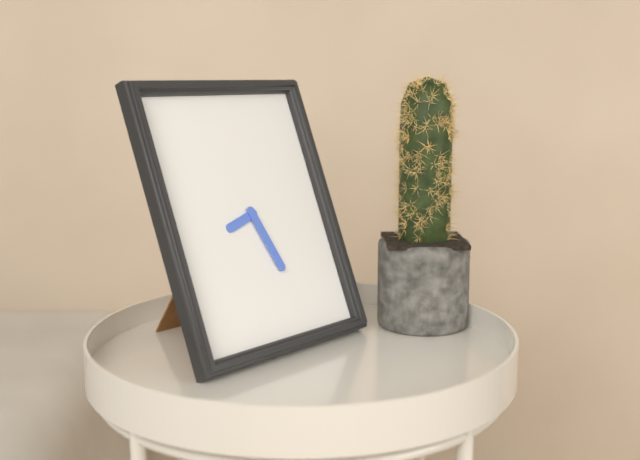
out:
8 h 27 min
